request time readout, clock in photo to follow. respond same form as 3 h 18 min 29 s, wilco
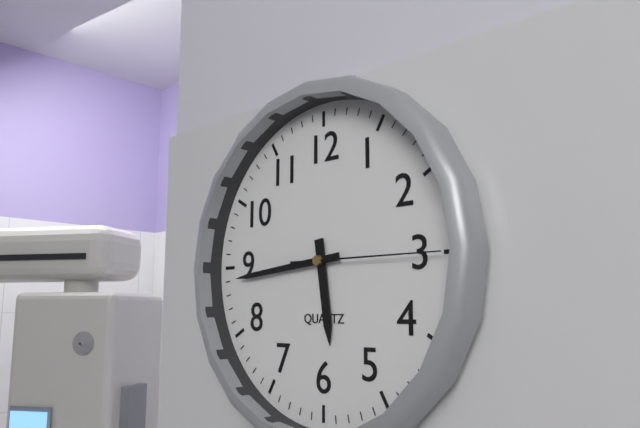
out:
5 h 44 min 15 s
